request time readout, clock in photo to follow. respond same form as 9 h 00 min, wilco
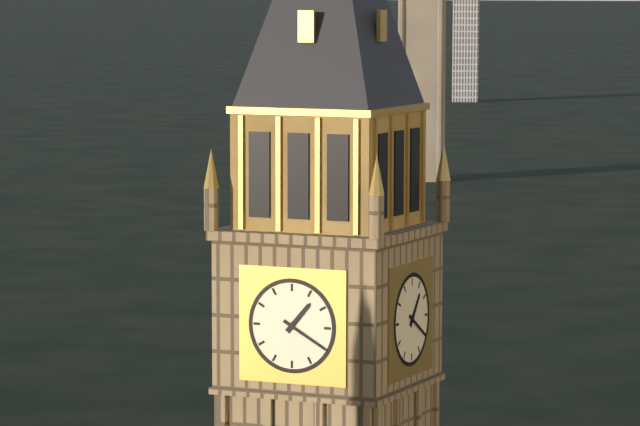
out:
1 h 20 min
